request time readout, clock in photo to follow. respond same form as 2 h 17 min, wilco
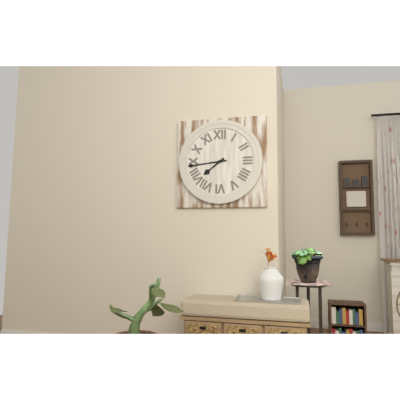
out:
7 h 44 min
